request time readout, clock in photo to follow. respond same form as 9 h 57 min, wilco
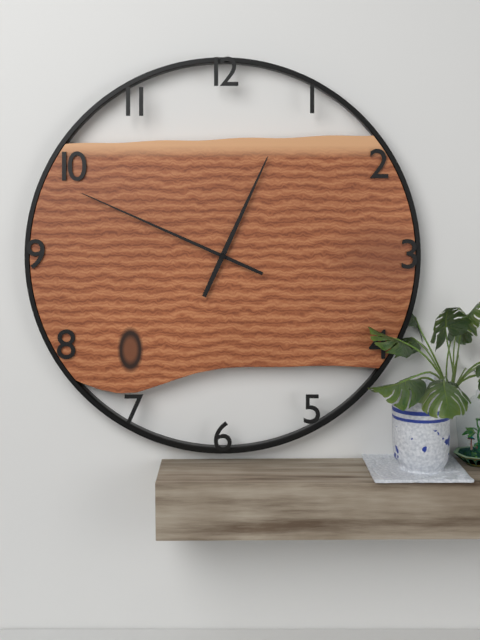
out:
12 h 49 min
